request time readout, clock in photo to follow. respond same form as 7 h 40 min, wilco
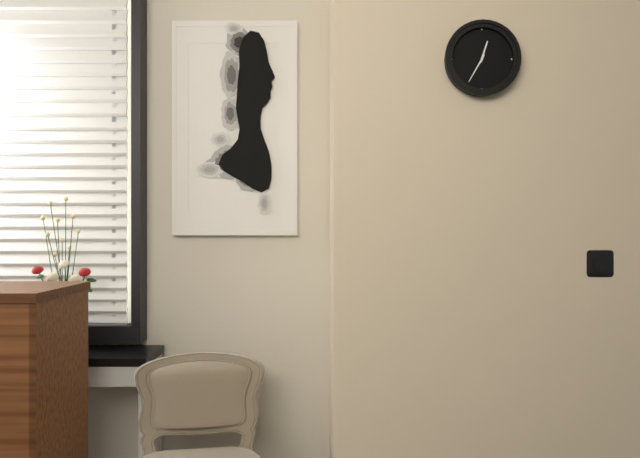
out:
12 h 35 min
